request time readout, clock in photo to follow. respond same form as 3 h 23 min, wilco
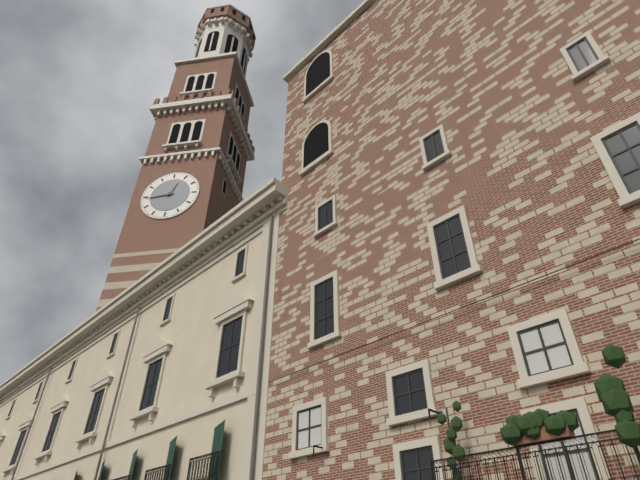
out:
12 h 44 min
